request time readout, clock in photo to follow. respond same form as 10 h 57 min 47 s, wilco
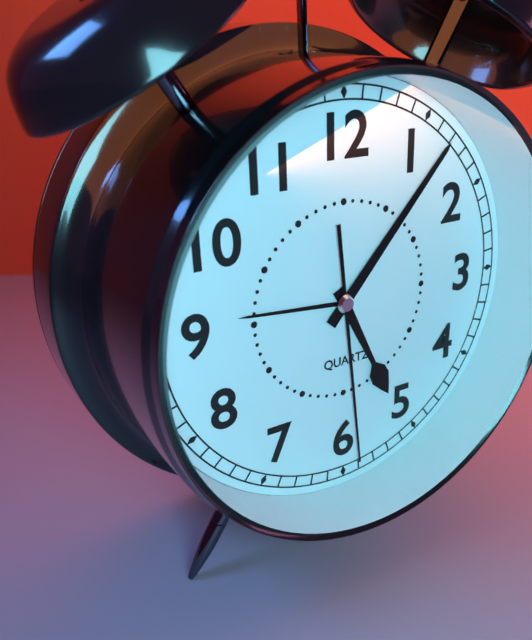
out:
5 h 07 min 29 s
